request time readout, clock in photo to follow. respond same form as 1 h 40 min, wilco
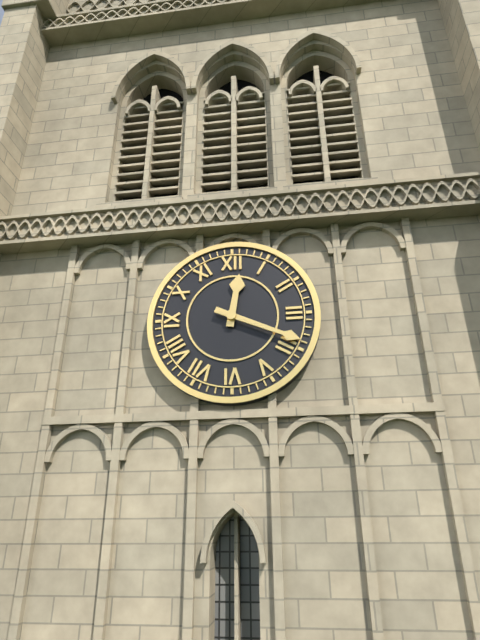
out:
12 h 19 min
